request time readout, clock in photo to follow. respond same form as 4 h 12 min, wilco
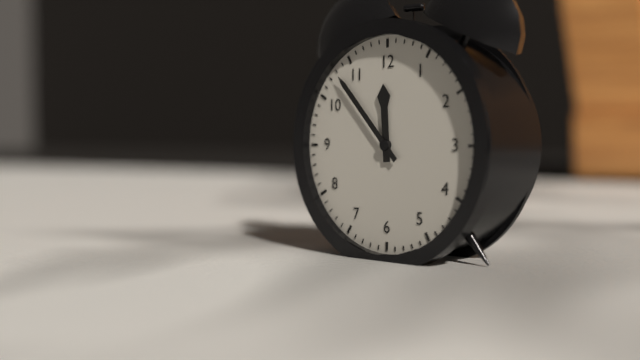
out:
11 h 53 min
